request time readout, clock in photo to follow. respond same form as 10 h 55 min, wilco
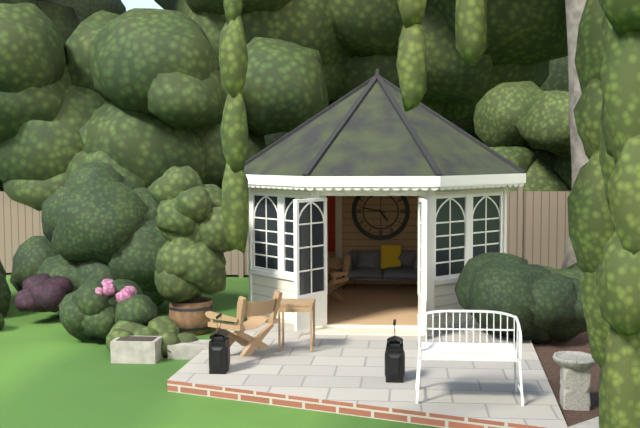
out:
4 h 47 min
